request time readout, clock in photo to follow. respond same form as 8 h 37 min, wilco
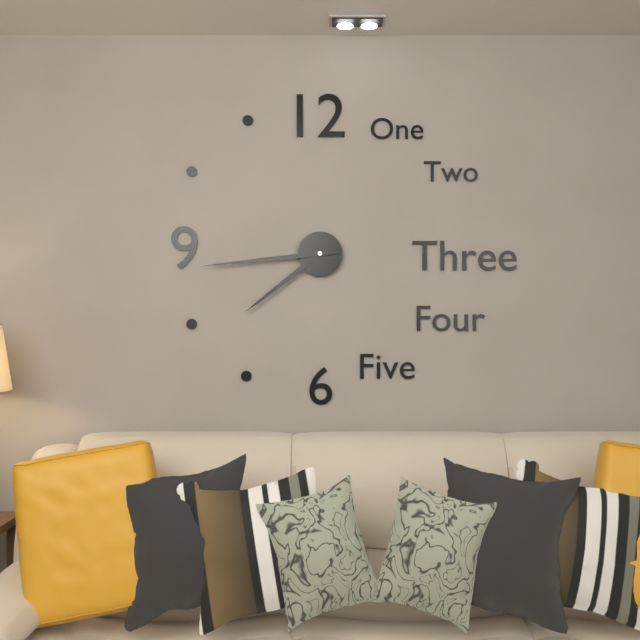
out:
7 h 44 min
